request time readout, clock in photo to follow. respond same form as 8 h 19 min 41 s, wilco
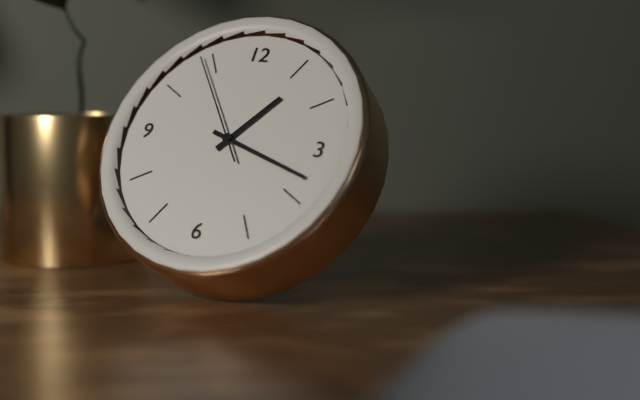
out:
1 h 18 min 54 s
